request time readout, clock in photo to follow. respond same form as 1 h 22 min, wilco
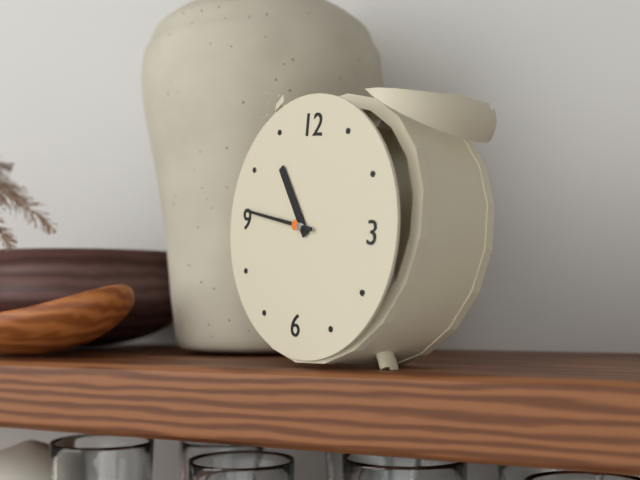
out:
10 h 46 min
